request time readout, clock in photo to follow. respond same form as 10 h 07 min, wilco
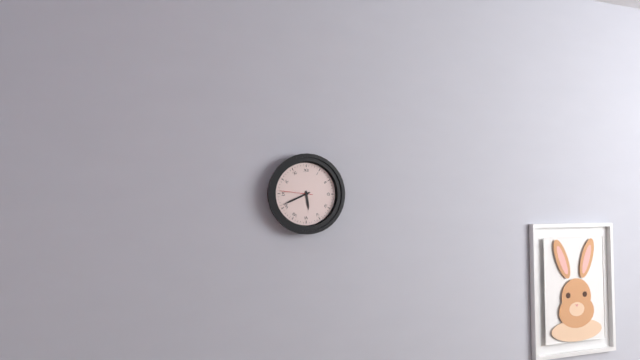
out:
5 h 41 min
